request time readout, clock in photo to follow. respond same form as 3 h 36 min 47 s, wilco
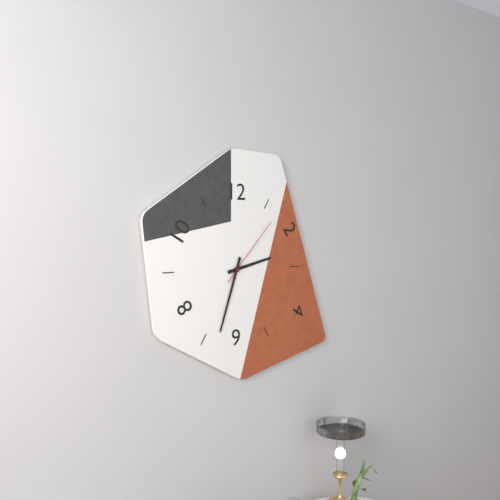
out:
2 h 33 min 07 s
